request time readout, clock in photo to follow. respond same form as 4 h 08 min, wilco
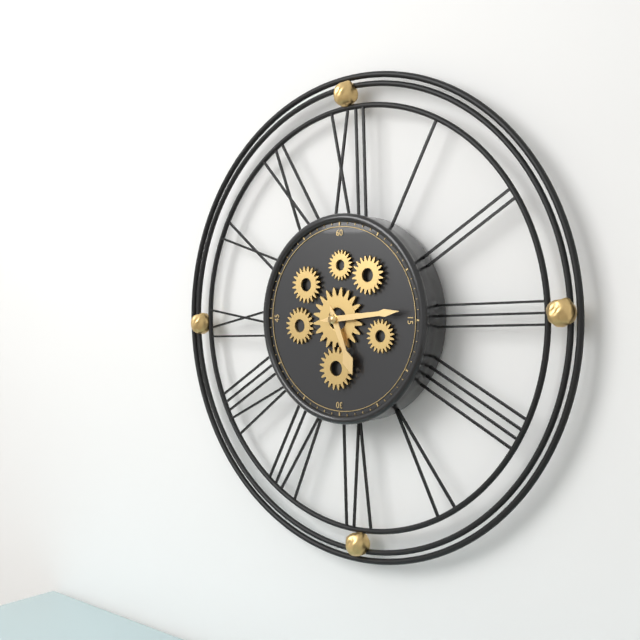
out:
5 h 14 min
